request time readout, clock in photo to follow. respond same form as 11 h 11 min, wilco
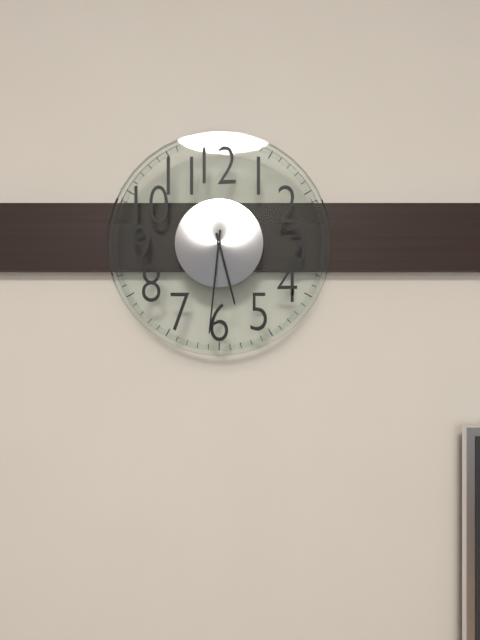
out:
5 h 31 min
